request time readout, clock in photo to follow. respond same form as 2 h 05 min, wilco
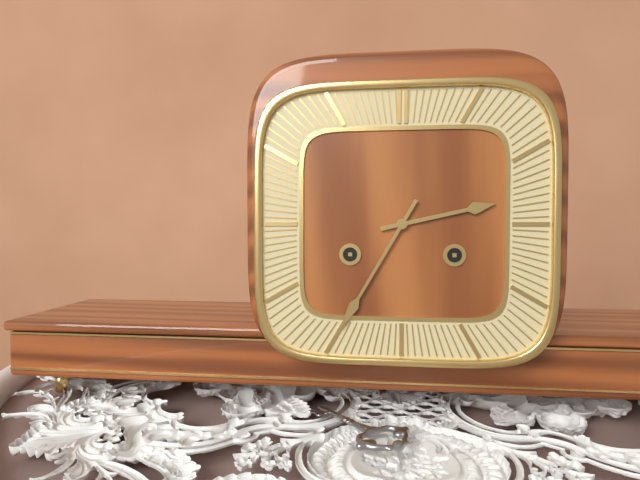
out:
2 h 35 min
